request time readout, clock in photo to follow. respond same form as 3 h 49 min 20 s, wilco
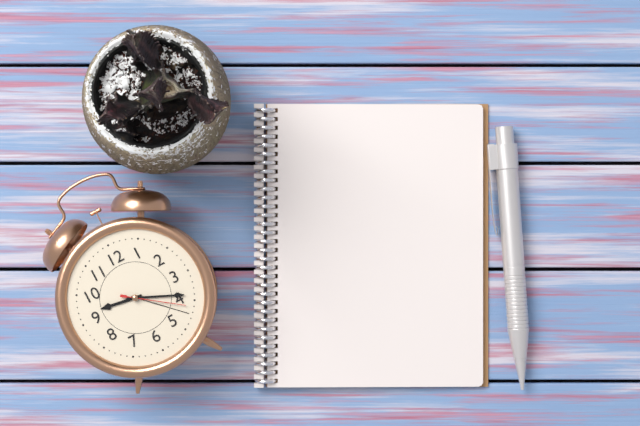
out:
9 h 19 min 21 s
